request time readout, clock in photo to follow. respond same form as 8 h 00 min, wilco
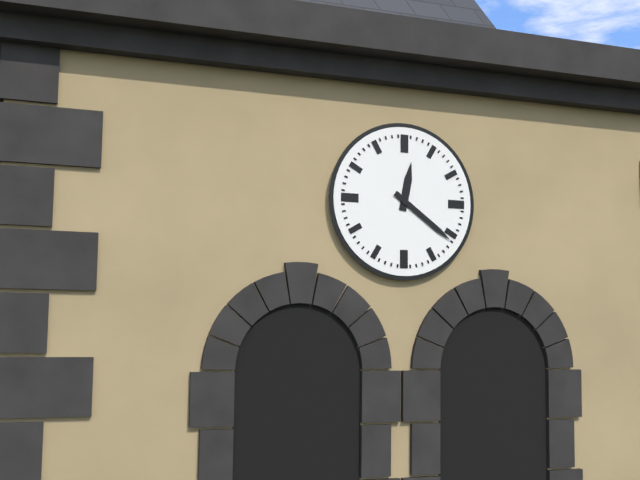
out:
12 h 21 min
